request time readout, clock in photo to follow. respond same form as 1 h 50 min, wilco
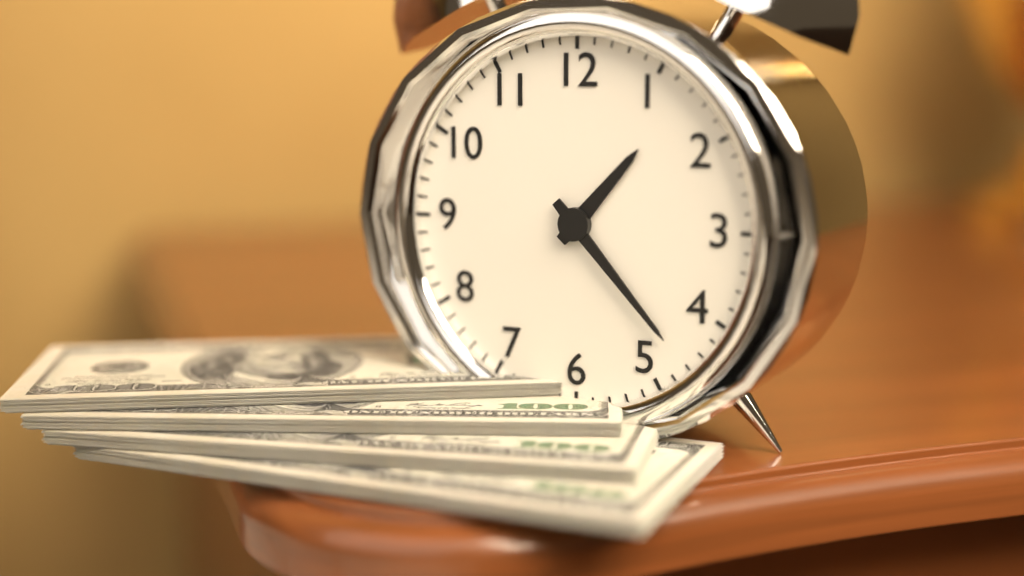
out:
1 h 23 min
